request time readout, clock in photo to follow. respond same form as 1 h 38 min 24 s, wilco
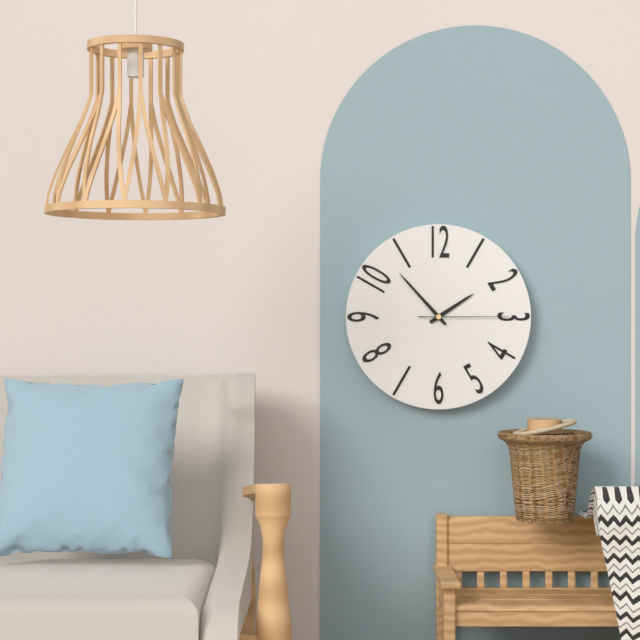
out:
1 h 53 min 15 s
